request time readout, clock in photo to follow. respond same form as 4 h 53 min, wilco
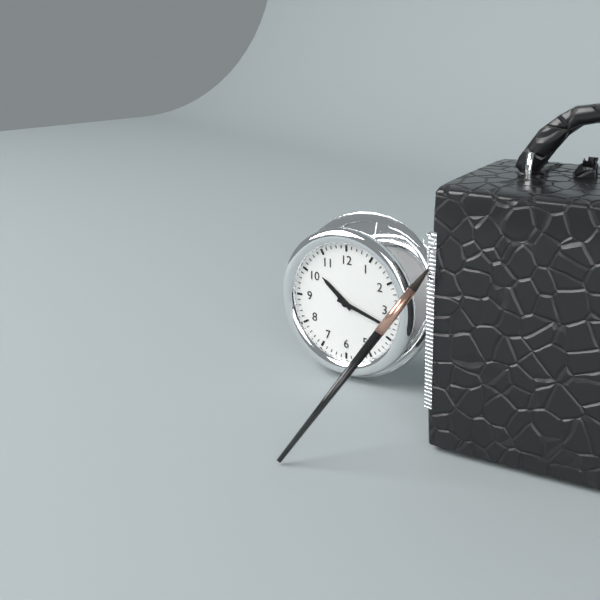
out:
10 h 18 min
